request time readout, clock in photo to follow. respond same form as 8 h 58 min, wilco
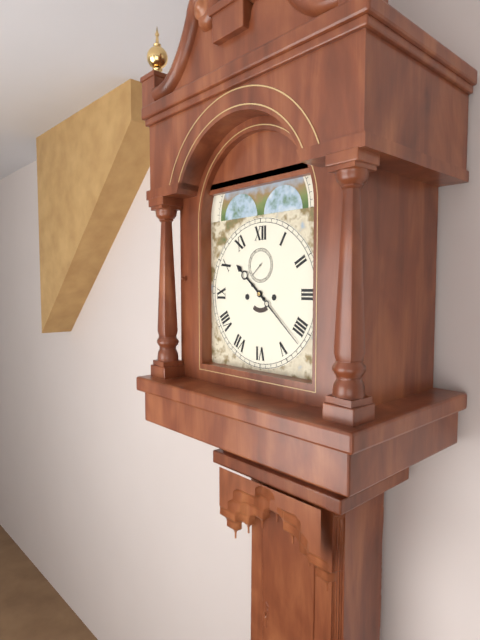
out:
10 h 22 min
